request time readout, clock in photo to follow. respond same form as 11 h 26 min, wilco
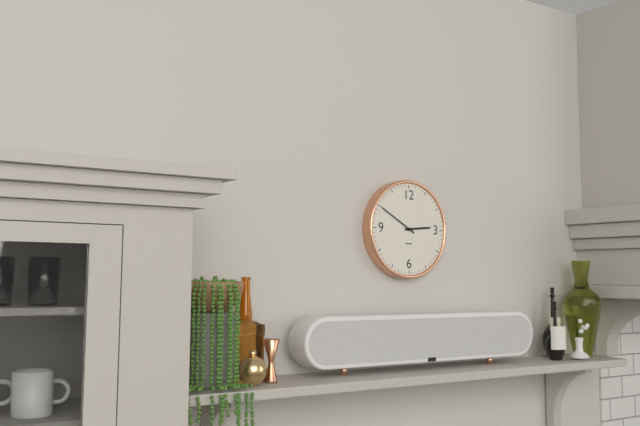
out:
2 h 50 min
